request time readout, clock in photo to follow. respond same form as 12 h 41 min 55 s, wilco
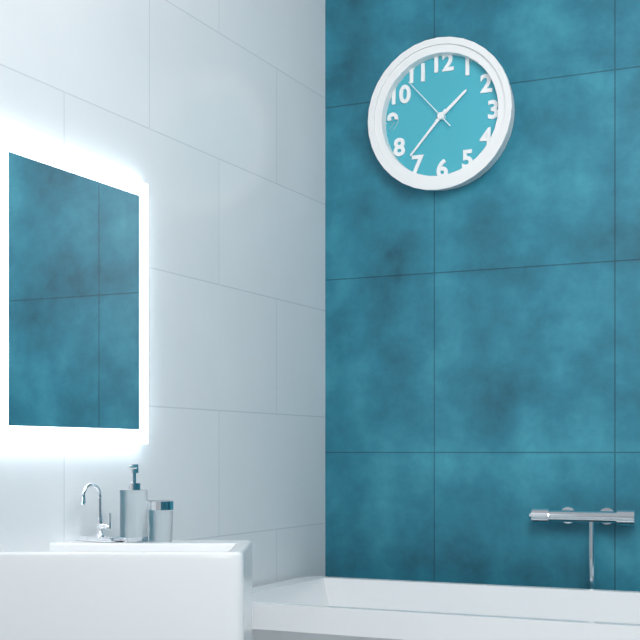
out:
1 h 37 min 53 s
